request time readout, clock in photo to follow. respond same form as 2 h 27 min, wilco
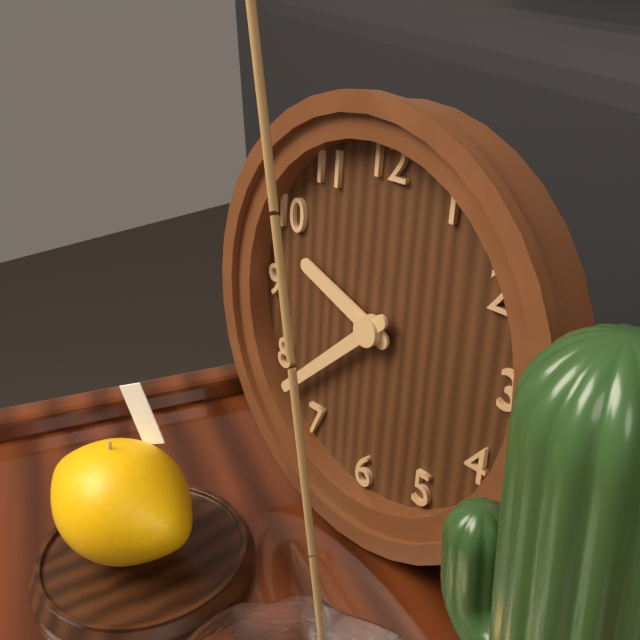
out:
9 h 38 min
